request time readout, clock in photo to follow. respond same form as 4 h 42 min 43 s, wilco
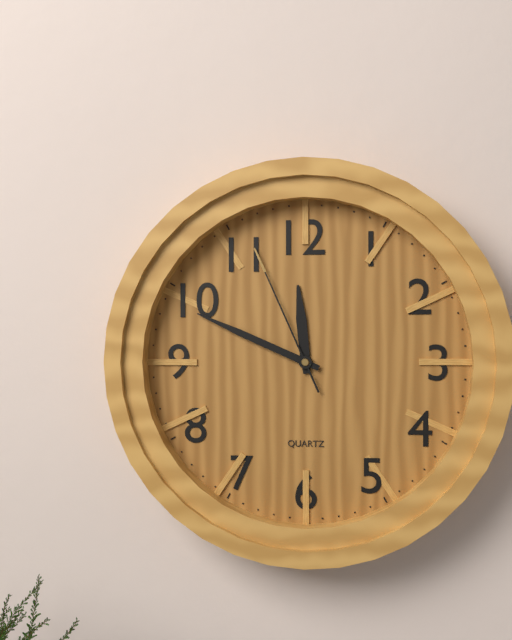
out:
11 h 49 min 56 s
